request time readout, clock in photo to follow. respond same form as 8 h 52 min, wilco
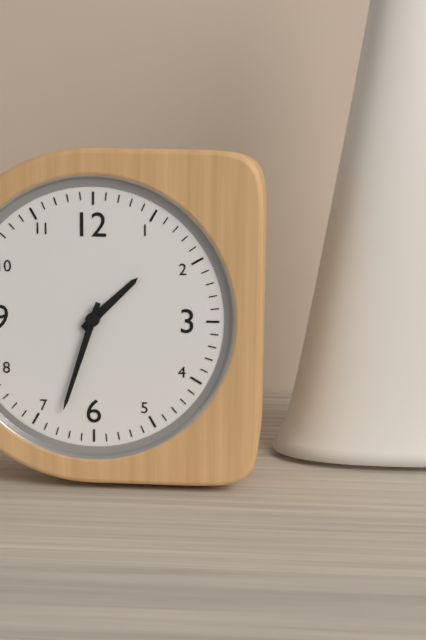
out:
1 h 33 min
